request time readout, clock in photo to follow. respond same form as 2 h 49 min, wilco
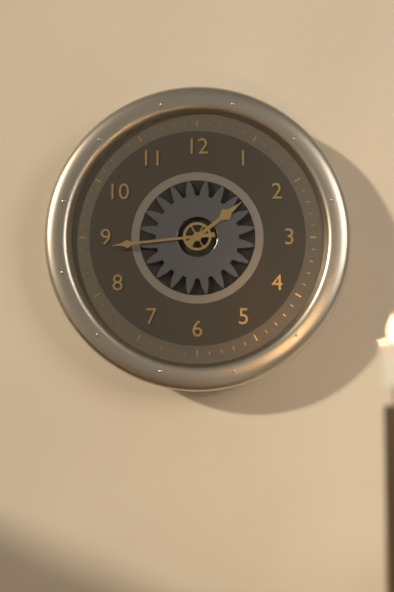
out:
1 h 44 min
